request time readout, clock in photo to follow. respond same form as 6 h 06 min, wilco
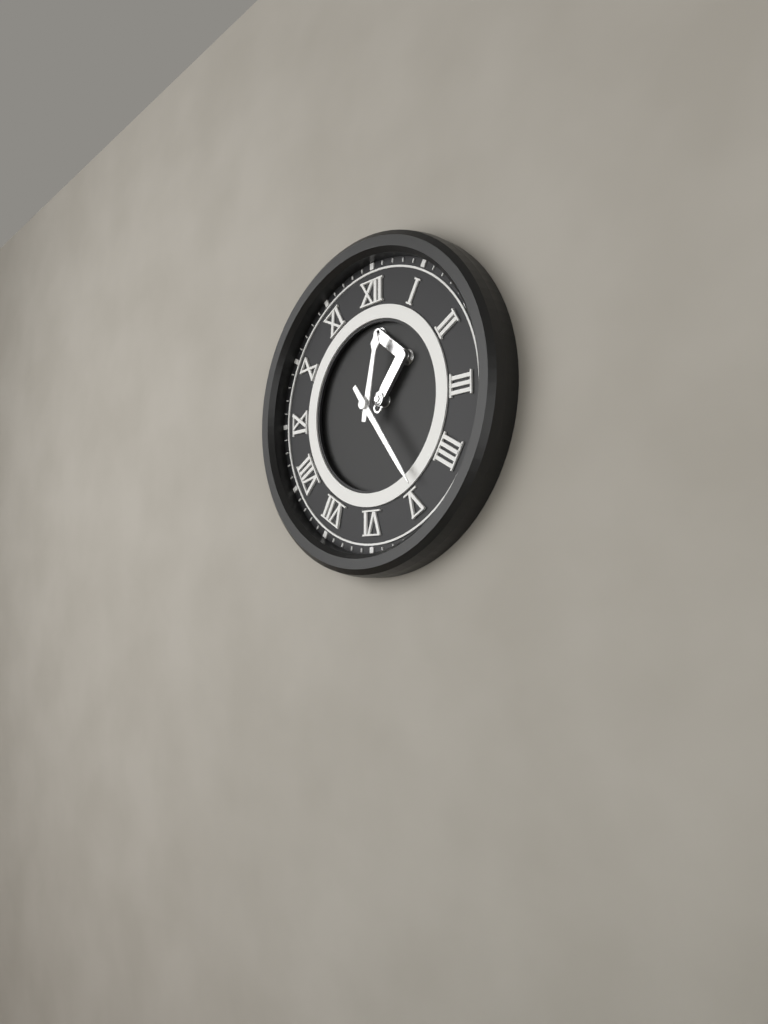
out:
12 h 24 min
